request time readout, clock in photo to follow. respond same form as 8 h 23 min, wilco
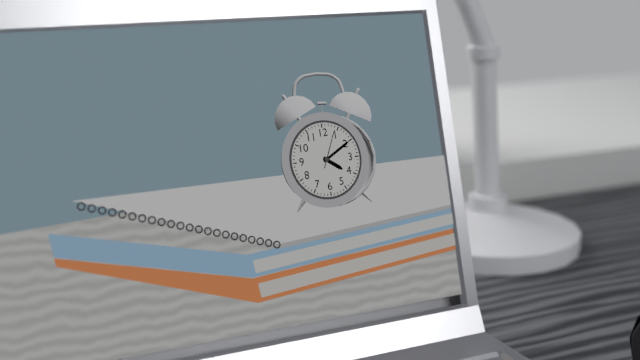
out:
4 h 10 min
